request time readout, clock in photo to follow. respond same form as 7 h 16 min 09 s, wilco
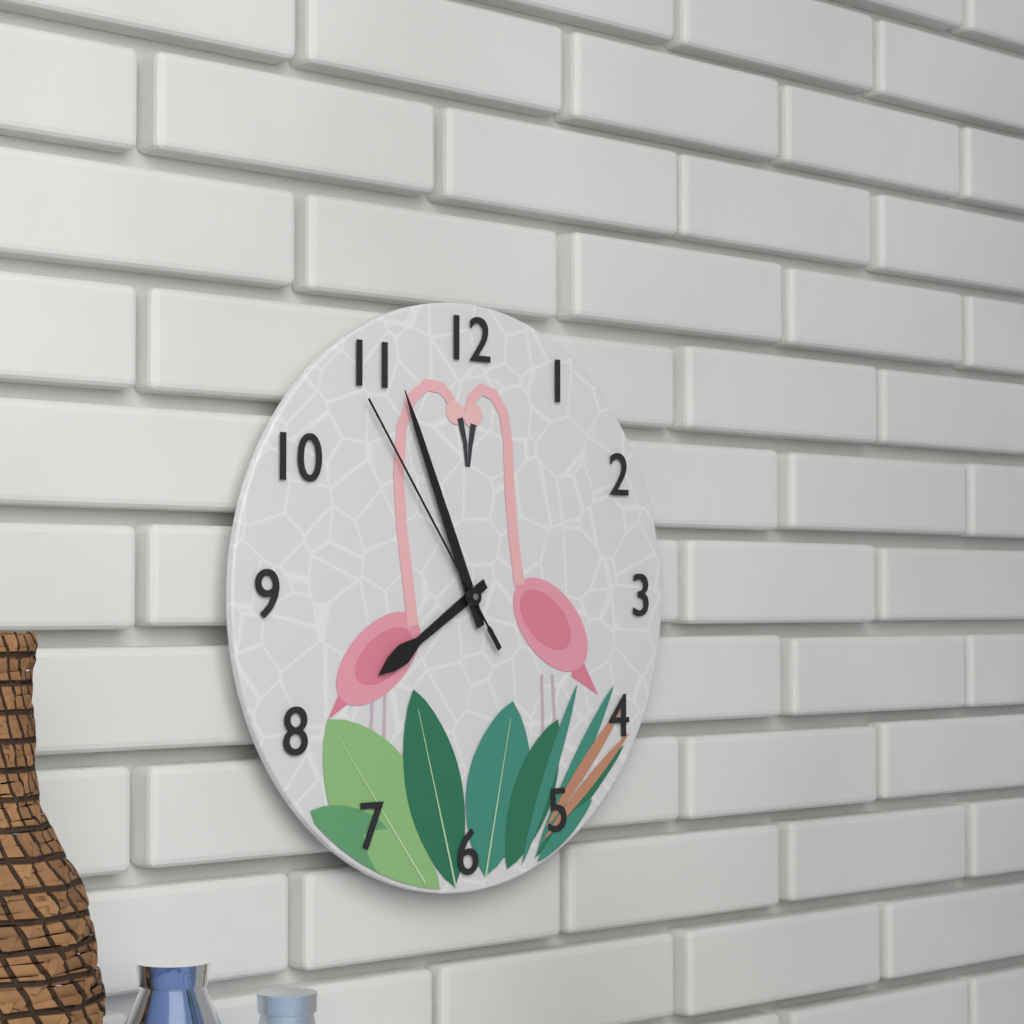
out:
7 h 56 min 54 s
